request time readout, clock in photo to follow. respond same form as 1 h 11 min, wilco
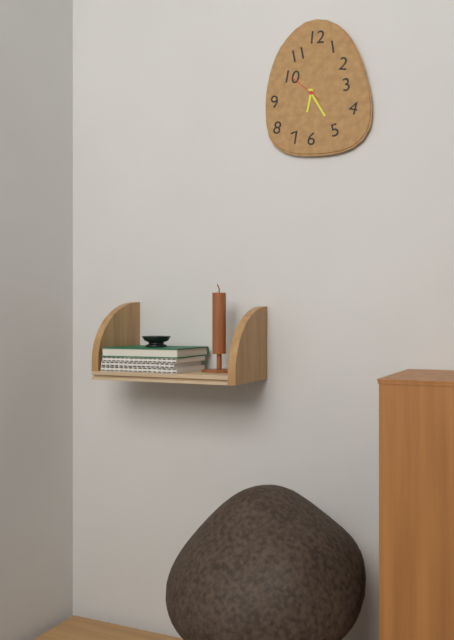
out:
6 h 25 min
